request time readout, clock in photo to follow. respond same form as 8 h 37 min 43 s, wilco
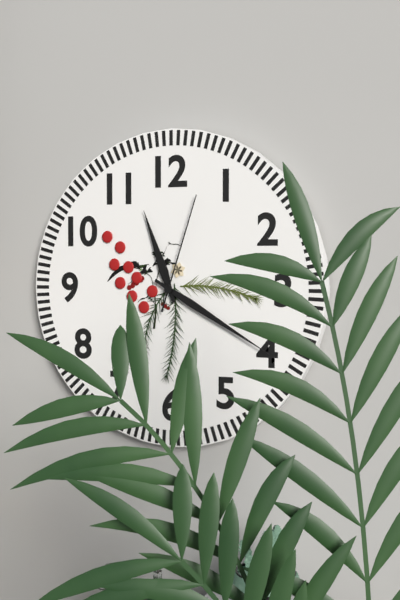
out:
11 h 20 min 03 s
